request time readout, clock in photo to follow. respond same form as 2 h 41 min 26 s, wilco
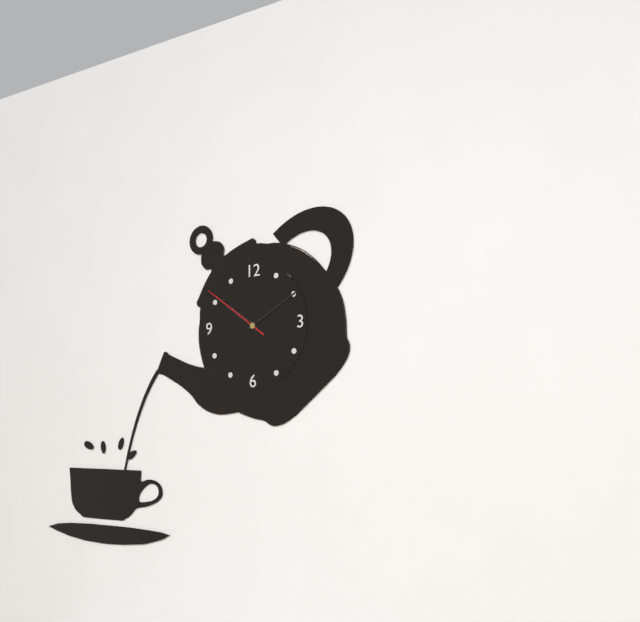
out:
10 h 10 min 51 s
